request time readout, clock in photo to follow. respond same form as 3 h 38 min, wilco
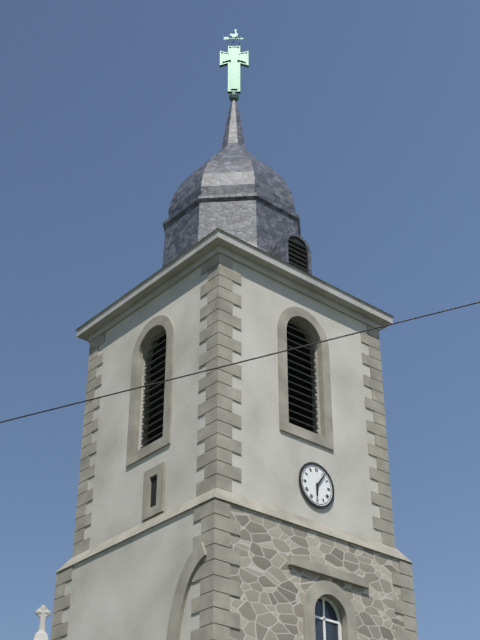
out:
6 h 06 min
